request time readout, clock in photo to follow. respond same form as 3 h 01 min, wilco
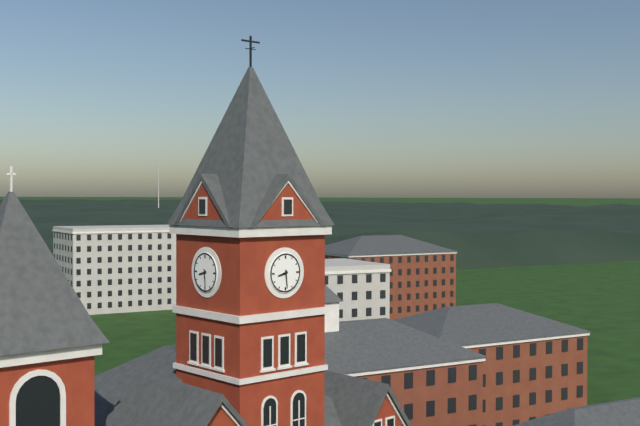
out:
8 h 29 min
